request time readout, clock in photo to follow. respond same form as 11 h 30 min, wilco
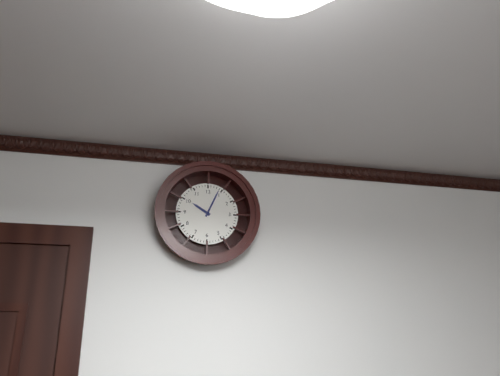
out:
10 h 04 min
